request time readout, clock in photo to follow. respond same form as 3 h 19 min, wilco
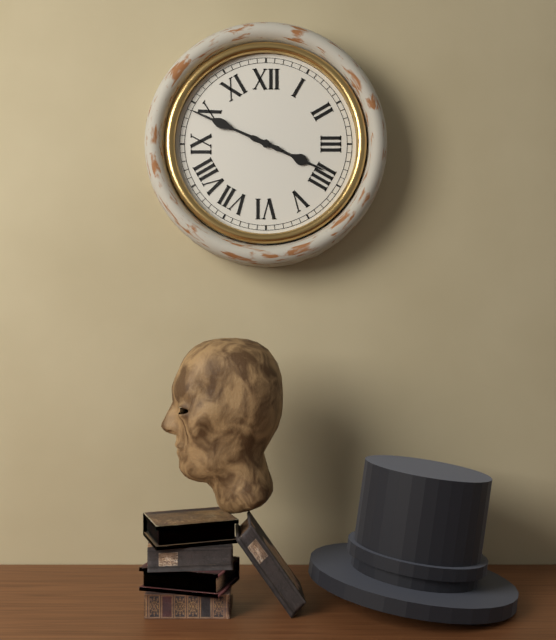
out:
3 h 49 min
